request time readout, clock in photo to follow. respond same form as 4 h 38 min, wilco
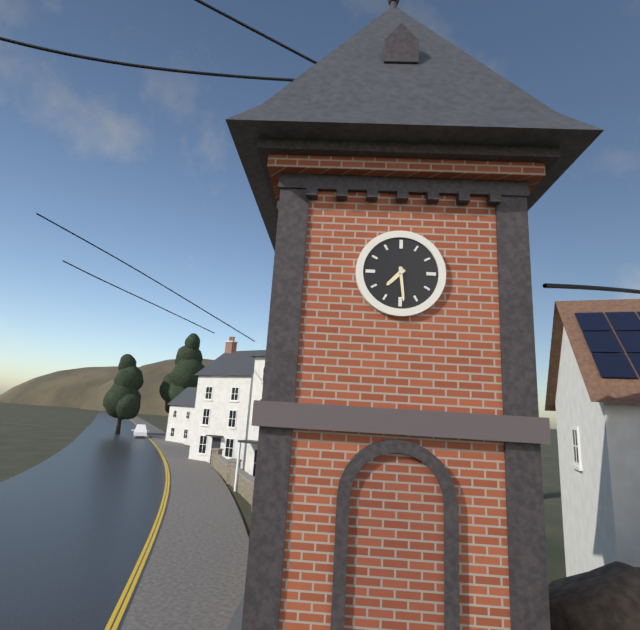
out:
7 h 29 min
